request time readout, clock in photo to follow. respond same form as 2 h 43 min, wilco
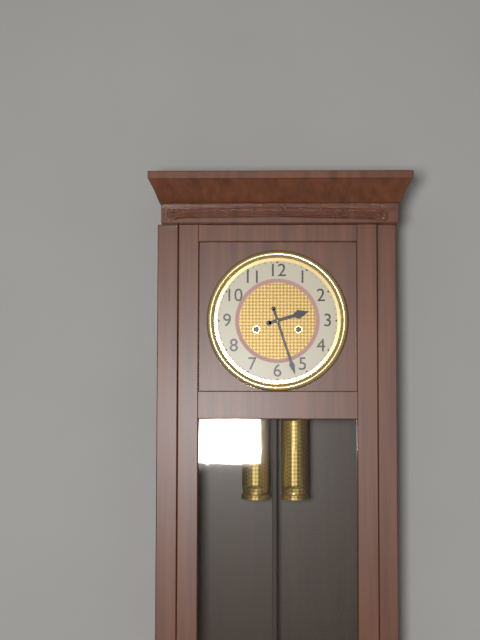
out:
2 h 27 min
